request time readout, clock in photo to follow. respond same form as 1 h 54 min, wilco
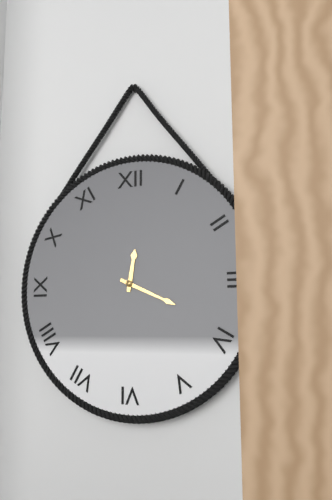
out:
12 h 19 min
